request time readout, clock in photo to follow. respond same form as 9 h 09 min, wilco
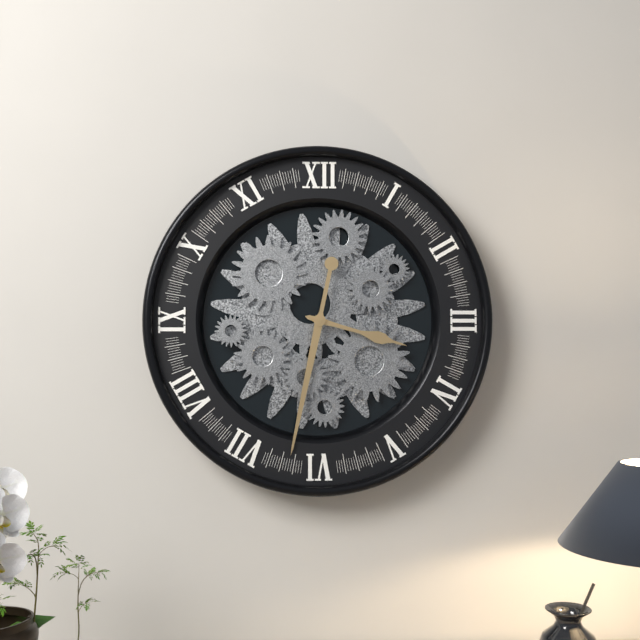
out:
3 h 32 min
